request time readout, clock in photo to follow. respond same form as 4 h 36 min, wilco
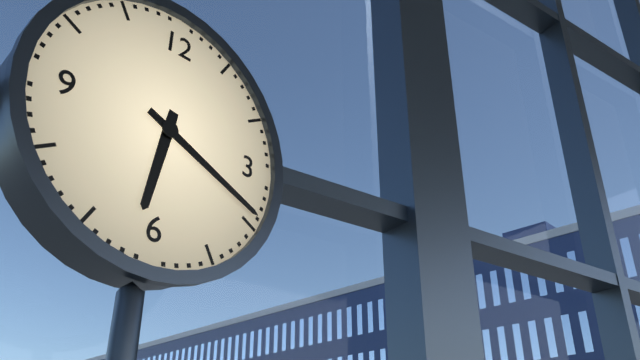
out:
6 h 19 min
